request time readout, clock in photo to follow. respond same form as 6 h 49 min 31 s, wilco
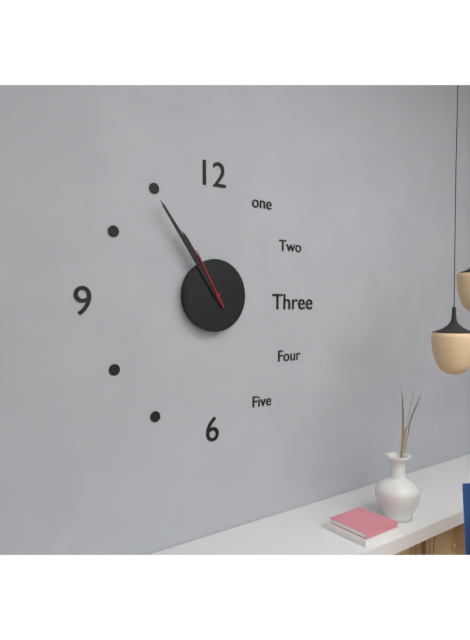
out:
10 h 54 min 55 s
